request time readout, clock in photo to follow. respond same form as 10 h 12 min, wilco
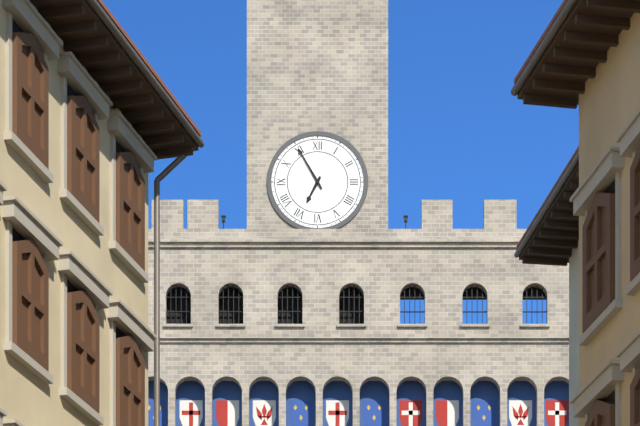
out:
6 h 55 min
